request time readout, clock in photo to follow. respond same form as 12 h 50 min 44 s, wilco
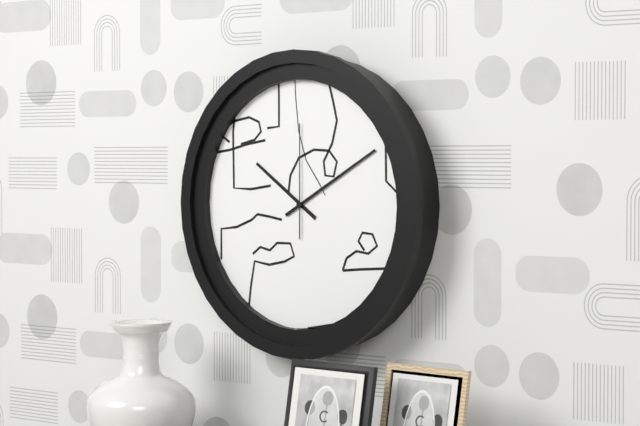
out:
10 h 10 min 00 s
